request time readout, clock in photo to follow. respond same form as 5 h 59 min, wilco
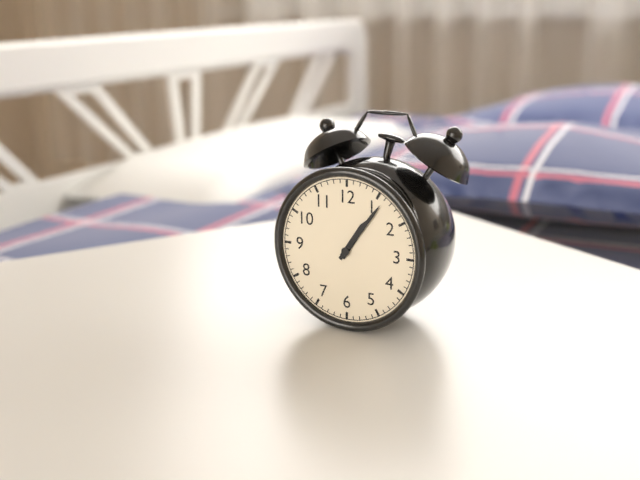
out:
1 h 06 min
